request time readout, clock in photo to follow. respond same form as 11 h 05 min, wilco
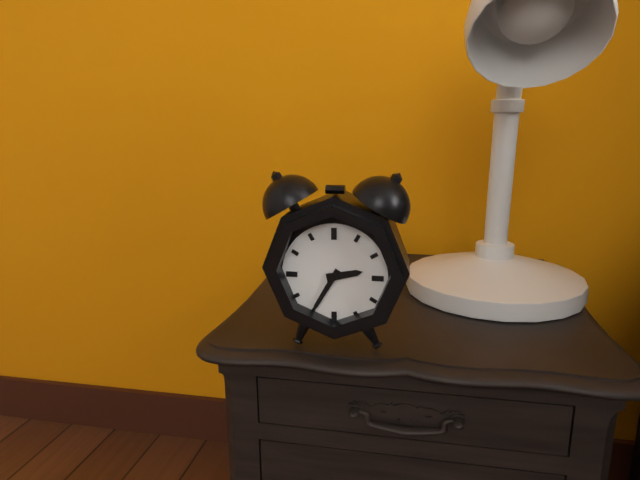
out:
2 h 35 min
